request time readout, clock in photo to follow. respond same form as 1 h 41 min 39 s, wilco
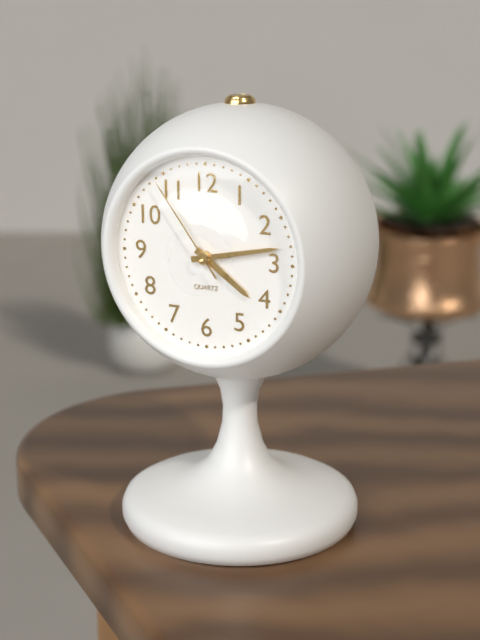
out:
4 h 13 min 54 s
